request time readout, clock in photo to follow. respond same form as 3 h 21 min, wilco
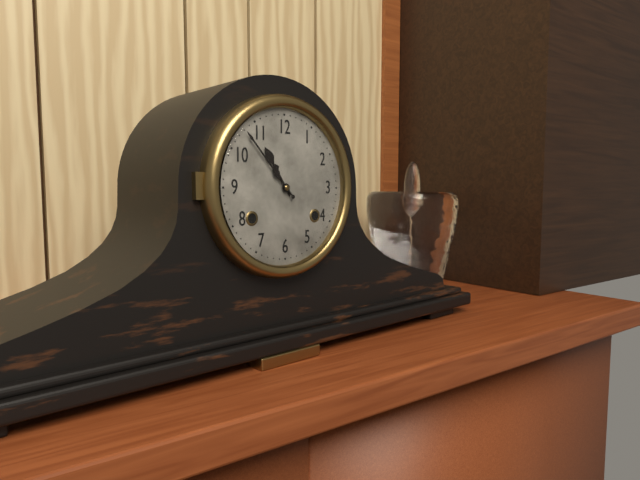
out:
10 h 53 min
